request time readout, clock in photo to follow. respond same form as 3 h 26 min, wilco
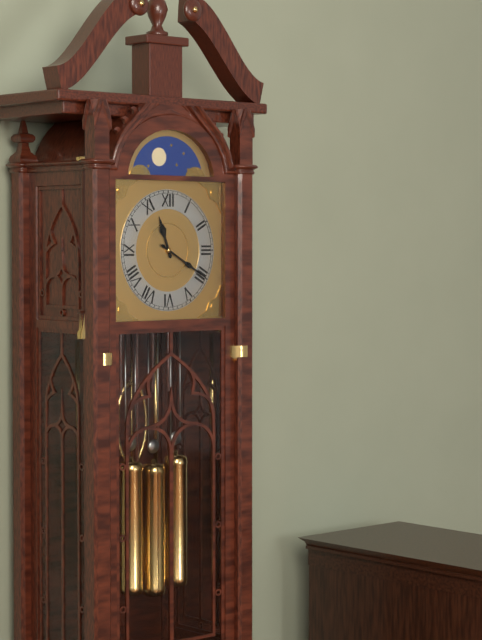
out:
11 h 20 min
